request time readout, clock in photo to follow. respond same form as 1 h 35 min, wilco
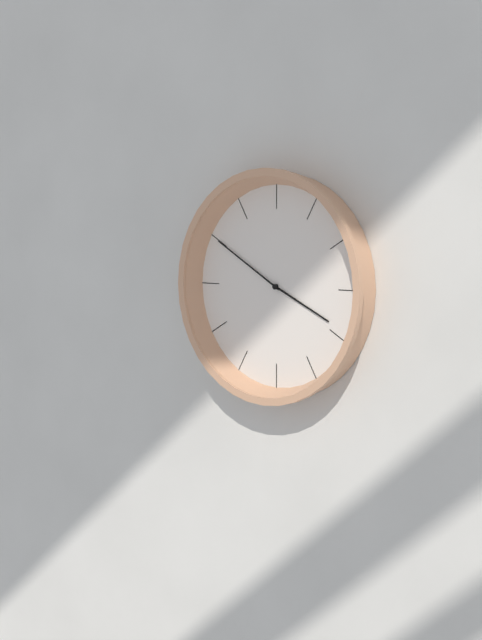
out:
3 h 50 min
